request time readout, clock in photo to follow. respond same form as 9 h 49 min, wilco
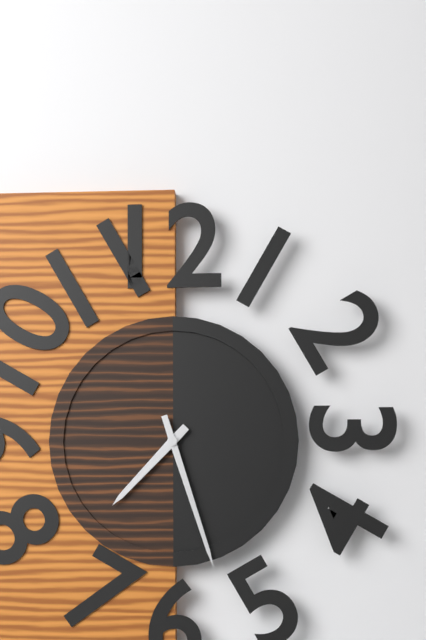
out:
7 h 27 min
